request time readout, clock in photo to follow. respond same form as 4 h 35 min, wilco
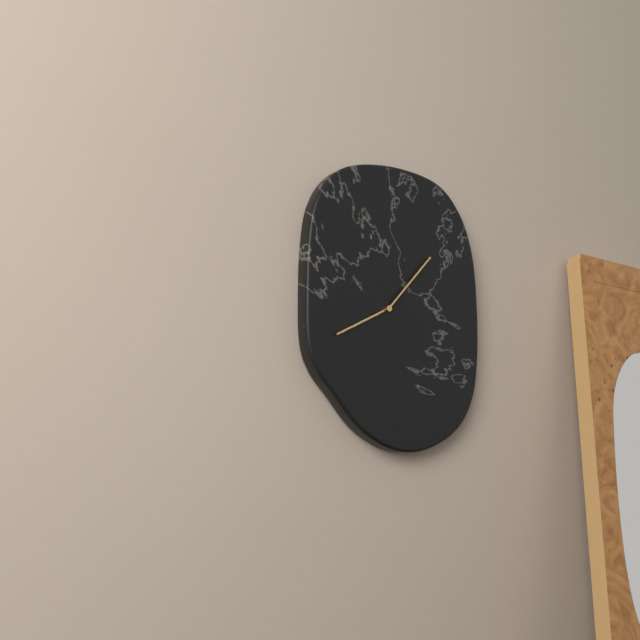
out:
8 h 07 min
